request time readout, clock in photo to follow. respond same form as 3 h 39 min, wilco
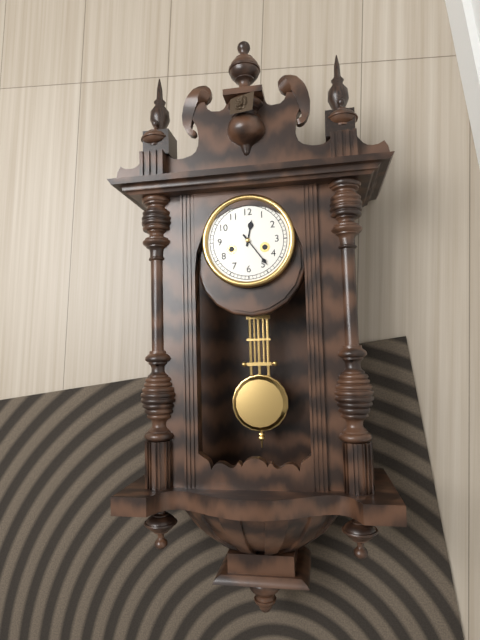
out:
12 h 24 min
